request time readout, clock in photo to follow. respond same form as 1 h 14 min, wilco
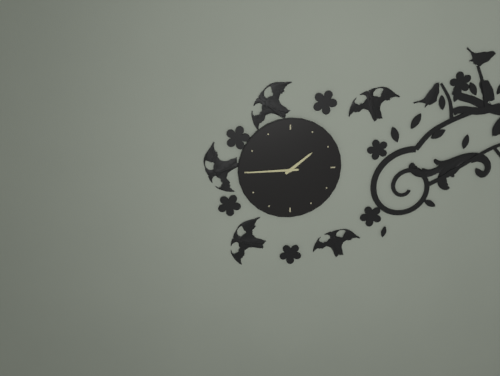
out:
1 h 45 min
